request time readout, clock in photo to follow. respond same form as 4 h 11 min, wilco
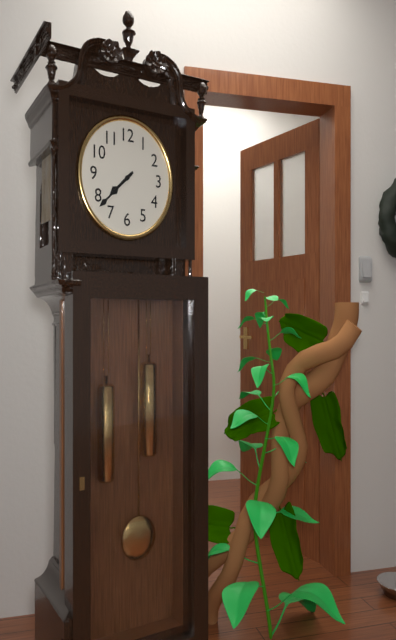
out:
7 h 38 min
